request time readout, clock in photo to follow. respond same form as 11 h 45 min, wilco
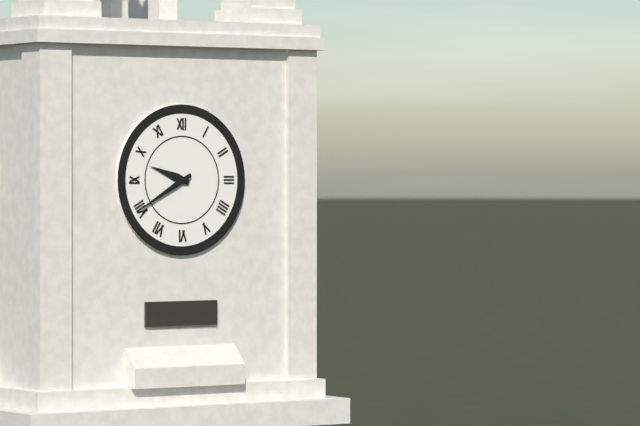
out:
9 h 40 min
